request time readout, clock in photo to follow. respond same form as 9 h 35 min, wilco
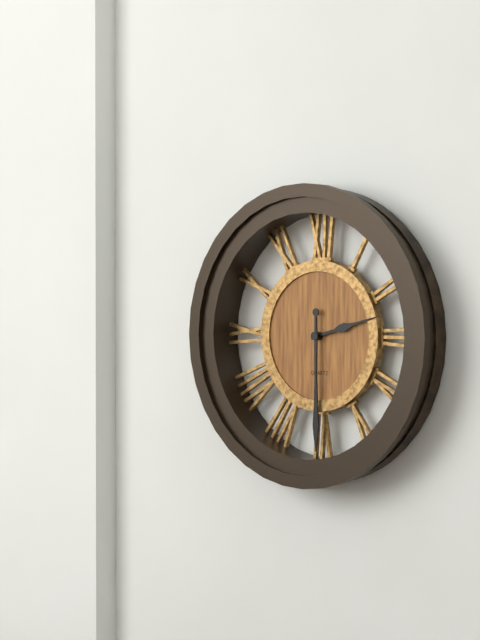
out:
2 h 30 min
